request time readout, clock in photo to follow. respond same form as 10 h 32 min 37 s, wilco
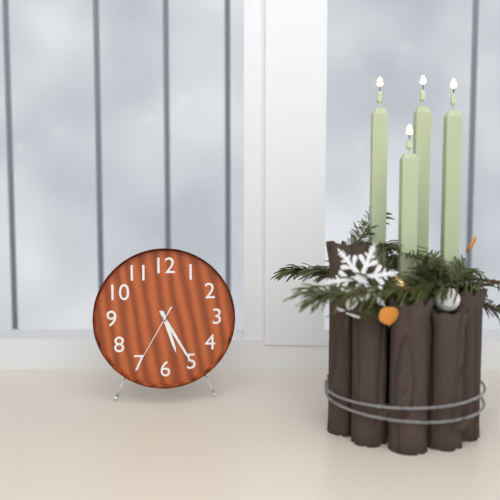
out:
5 h 25 min 35 s
